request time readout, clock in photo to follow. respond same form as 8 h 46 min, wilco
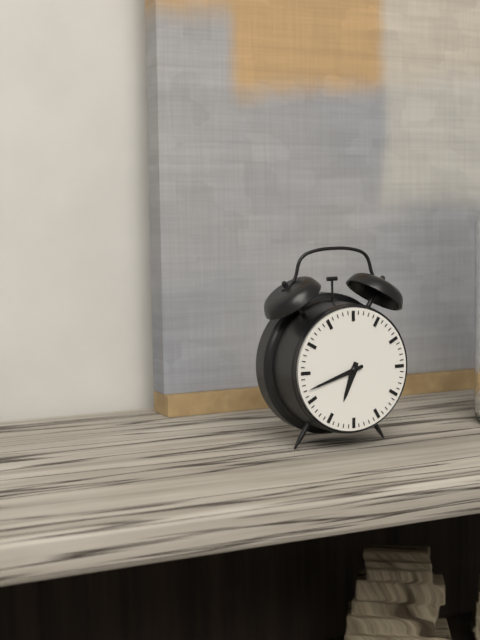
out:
6 h 42 min
